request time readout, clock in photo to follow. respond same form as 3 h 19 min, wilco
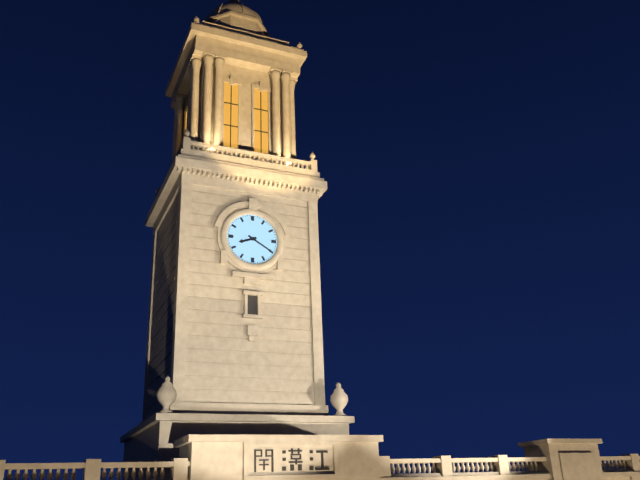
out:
8 h 20 min
